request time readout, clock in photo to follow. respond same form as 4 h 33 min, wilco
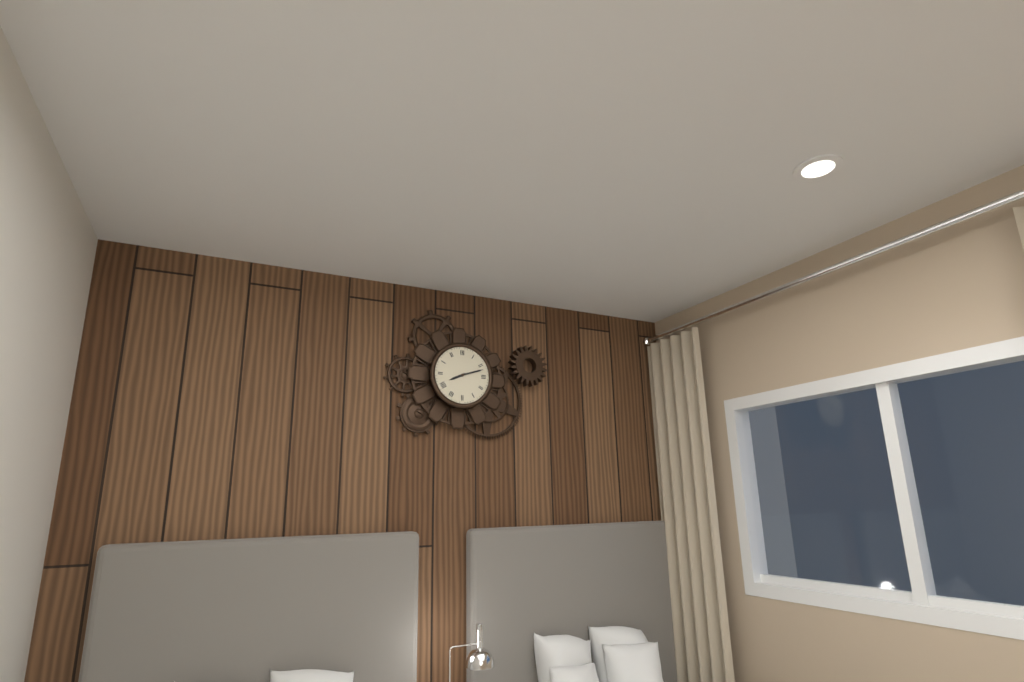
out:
8 h 12 min
